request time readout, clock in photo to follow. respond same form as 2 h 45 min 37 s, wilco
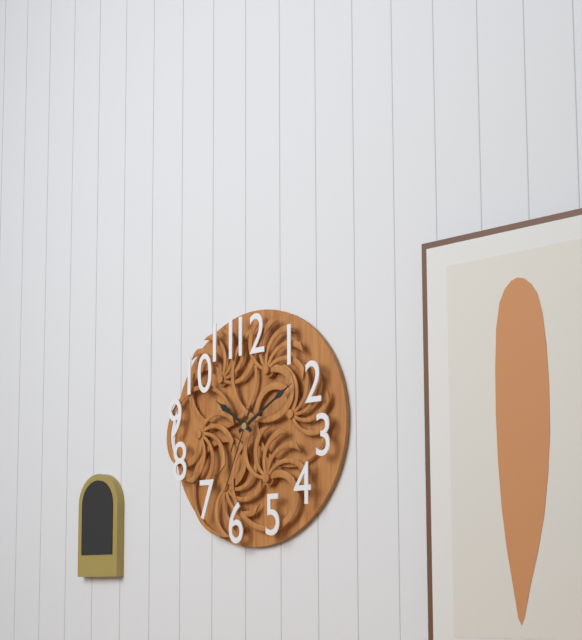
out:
10 h 10 min 34 s
